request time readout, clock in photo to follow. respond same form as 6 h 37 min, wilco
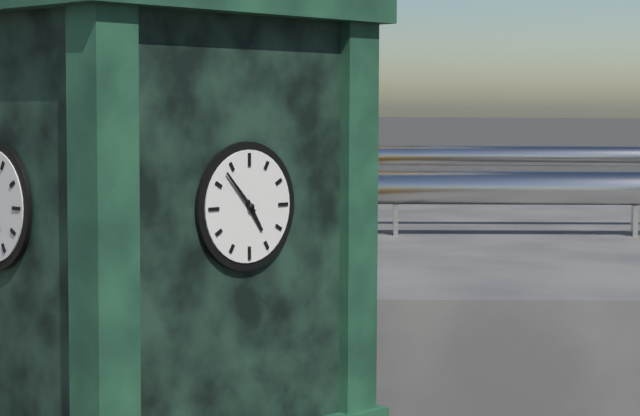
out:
4 h 53 min
